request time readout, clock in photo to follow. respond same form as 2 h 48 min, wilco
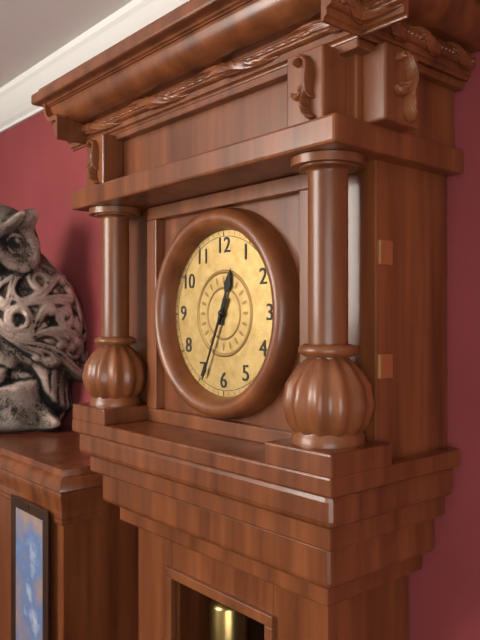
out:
12 h 34 min
